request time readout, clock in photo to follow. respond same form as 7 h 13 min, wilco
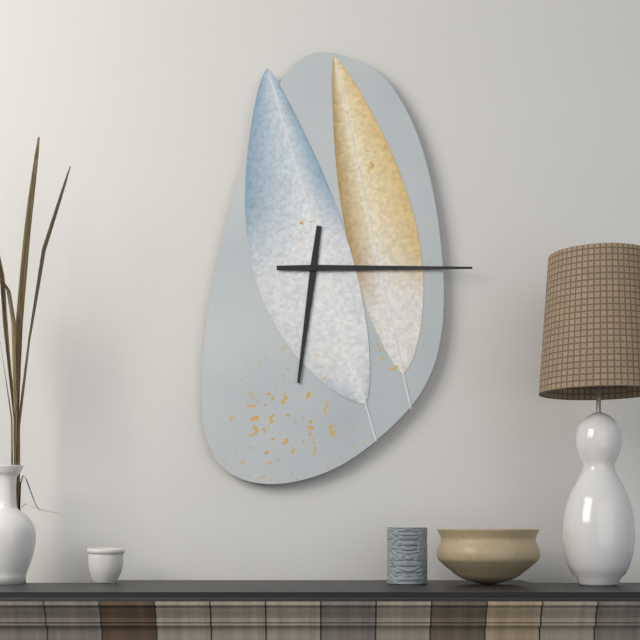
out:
6 h 15 min
